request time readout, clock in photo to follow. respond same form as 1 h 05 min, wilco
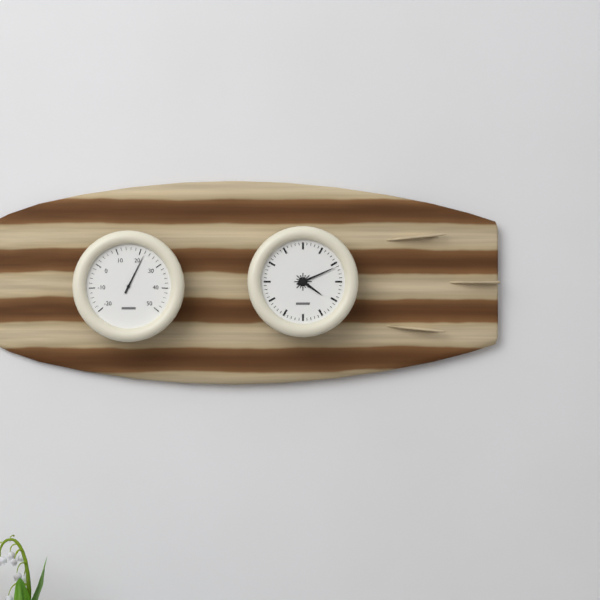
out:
4 h 11 min
